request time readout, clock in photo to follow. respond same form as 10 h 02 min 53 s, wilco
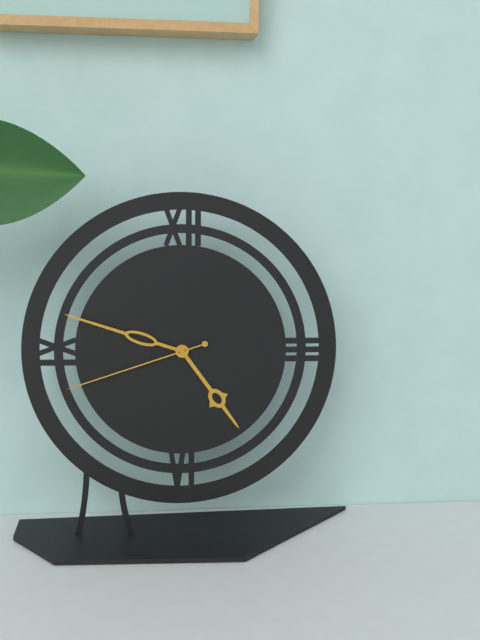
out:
4 h 48 min 42 s
